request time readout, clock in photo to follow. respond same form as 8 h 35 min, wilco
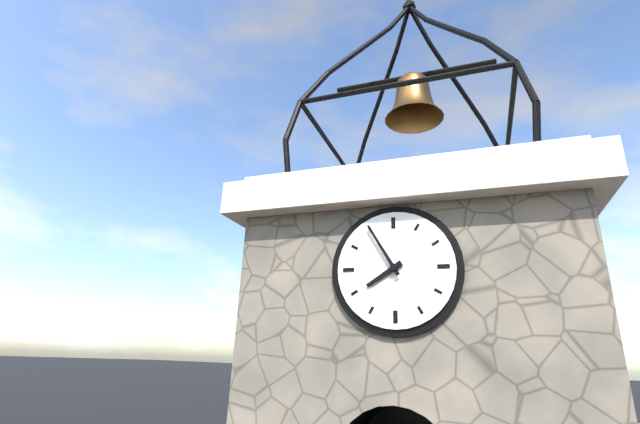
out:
7 h 55 min
